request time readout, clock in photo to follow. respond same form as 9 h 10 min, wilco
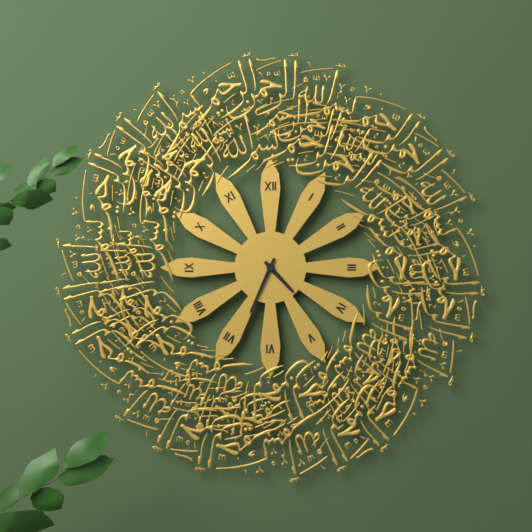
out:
4 h 34 min
